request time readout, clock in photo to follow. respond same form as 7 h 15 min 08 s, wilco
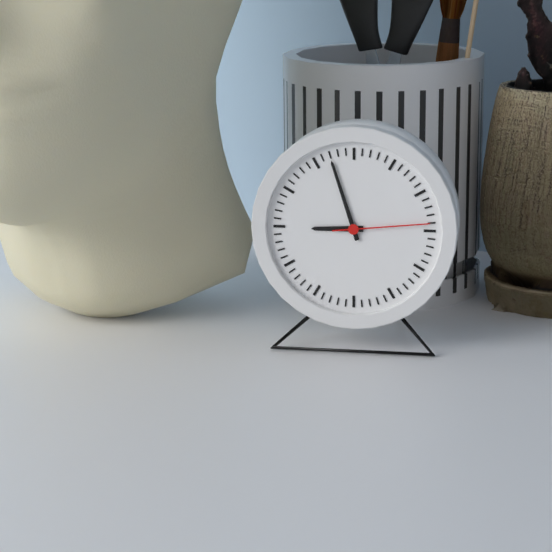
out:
8 h 57 min 14 s
